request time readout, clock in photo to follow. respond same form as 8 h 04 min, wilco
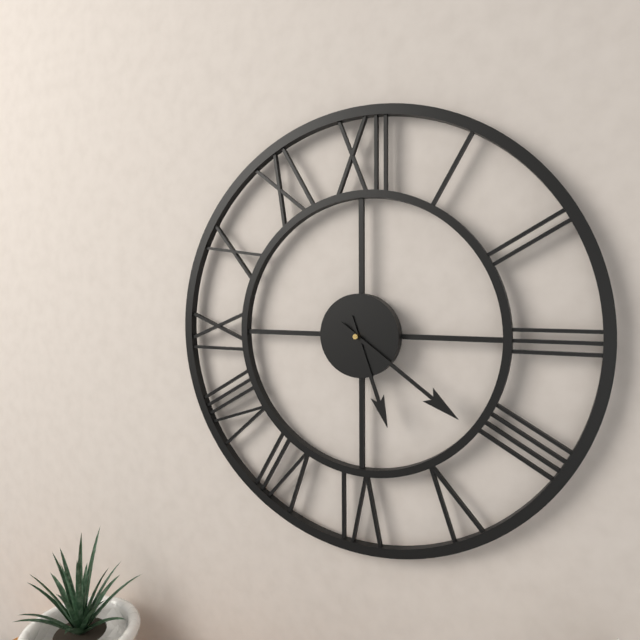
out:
5 h 21 min
